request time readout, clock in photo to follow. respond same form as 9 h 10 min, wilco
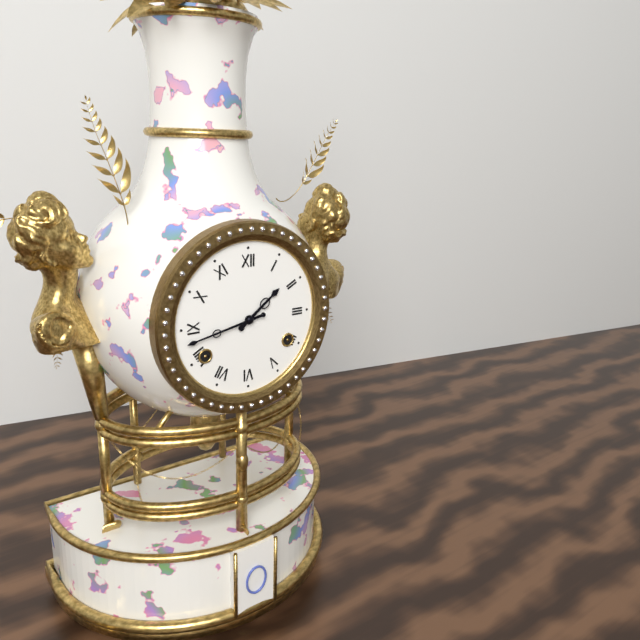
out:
1 h 43 min
